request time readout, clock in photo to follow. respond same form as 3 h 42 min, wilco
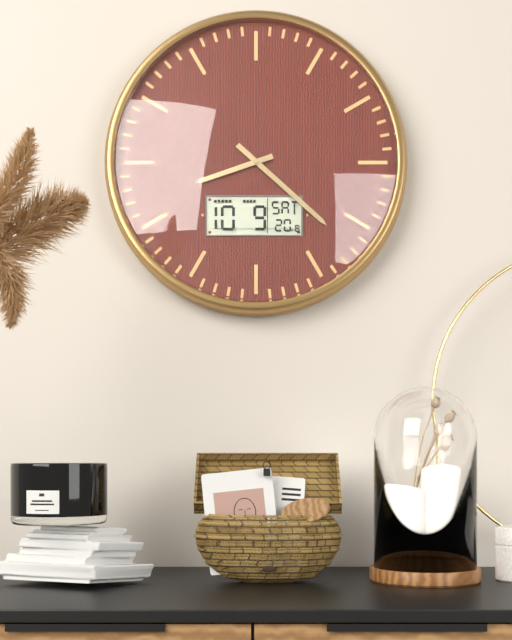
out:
8 h 22 min
